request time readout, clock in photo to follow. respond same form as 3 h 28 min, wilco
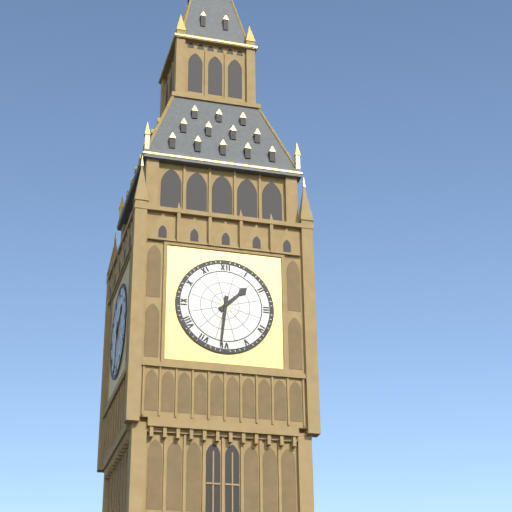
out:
1 h 31 min
